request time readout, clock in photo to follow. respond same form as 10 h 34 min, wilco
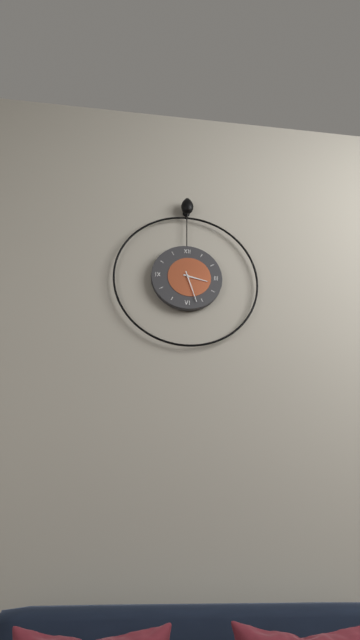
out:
3 h 27 min
